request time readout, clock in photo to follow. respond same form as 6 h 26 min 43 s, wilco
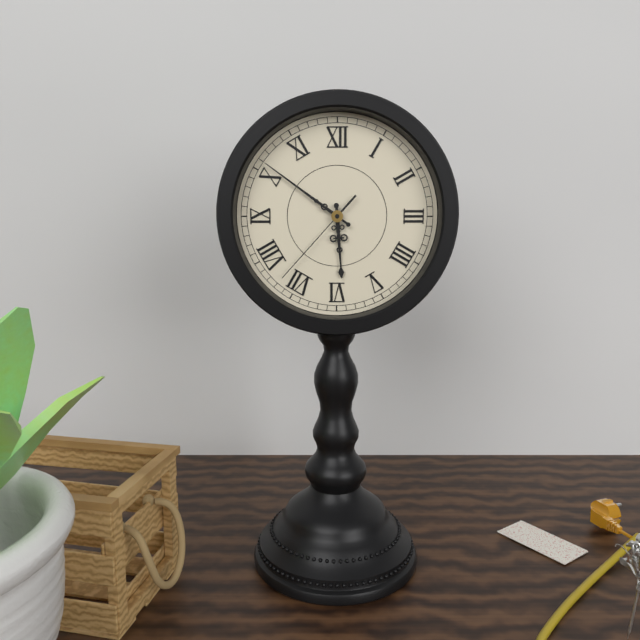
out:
5 h 51 min 37 s
